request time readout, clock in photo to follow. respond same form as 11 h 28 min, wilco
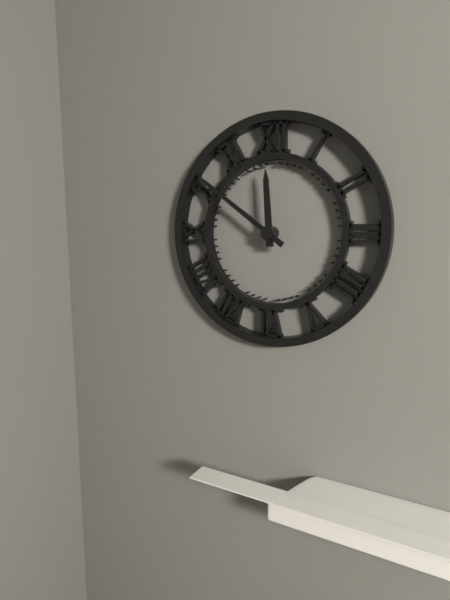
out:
11 h 51 min
